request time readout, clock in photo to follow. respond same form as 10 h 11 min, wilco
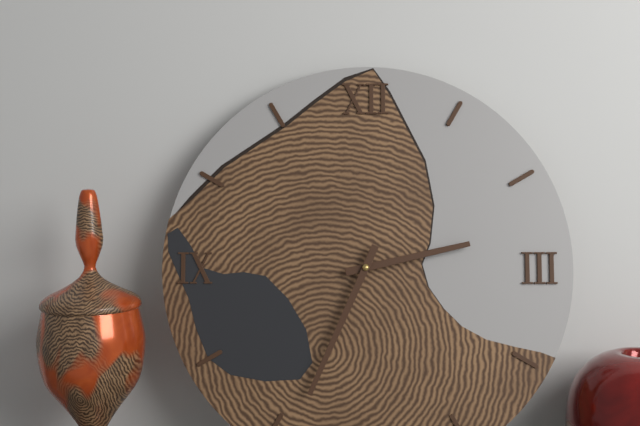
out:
2 h 34 min
